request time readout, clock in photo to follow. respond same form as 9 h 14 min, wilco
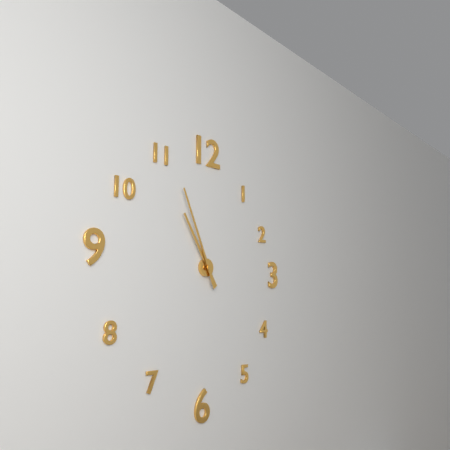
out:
10 h 56 min
